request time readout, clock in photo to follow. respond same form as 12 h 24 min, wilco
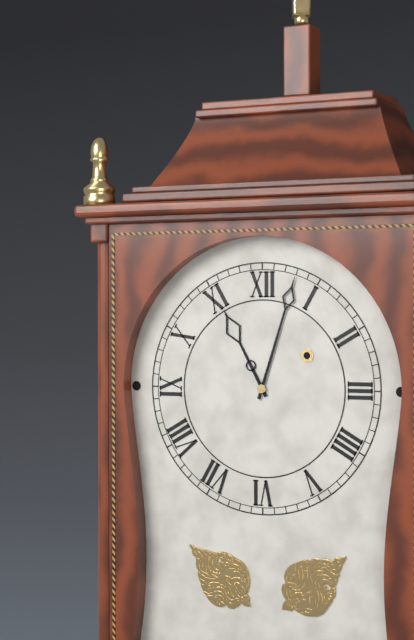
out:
11 h 03 min
